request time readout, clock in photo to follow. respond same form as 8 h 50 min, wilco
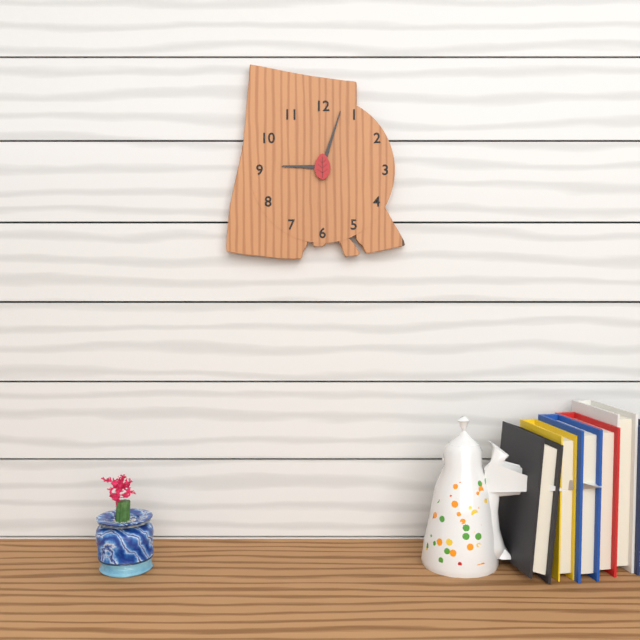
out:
9 h 03 min
